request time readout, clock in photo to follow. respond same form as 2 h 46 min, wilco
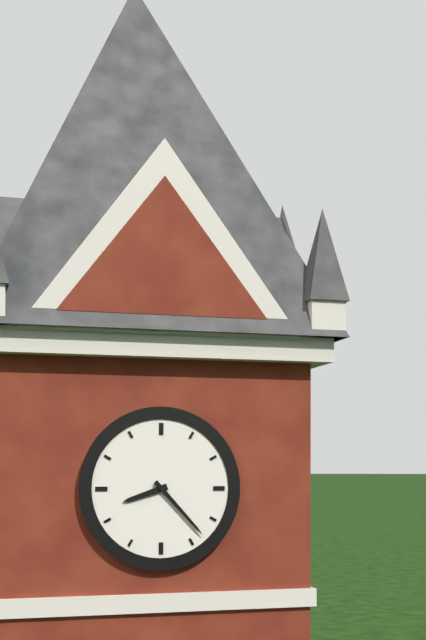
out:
8 h 23 min
